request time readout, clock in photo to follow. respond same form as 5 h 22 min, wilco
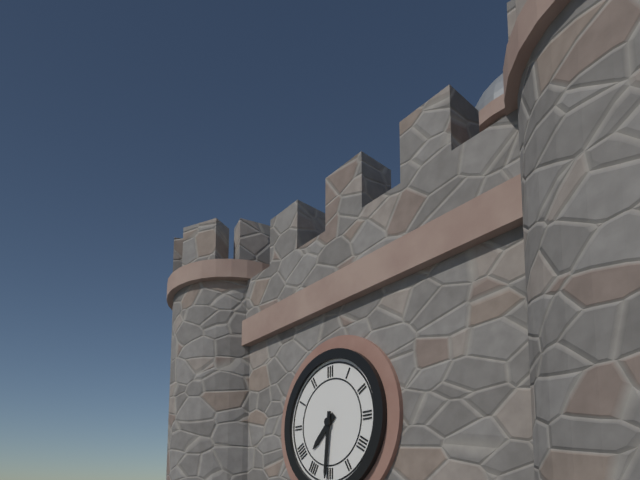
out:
7 h 31 min
